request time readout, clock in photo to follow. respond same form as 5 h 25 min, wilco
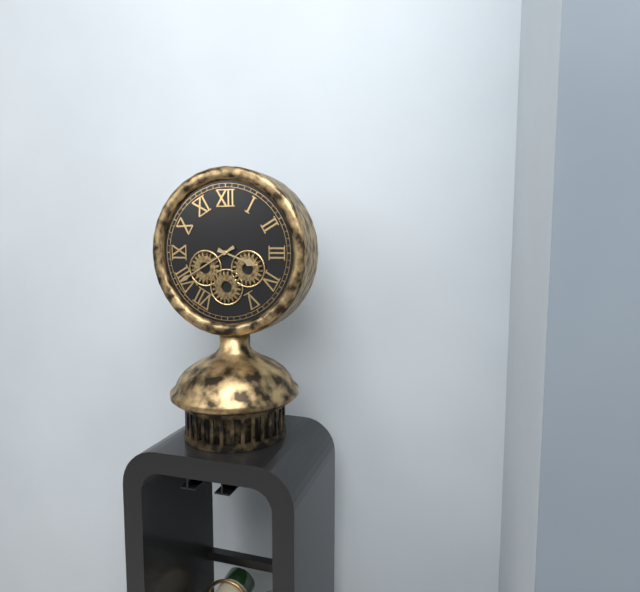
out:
3 h 40 min
